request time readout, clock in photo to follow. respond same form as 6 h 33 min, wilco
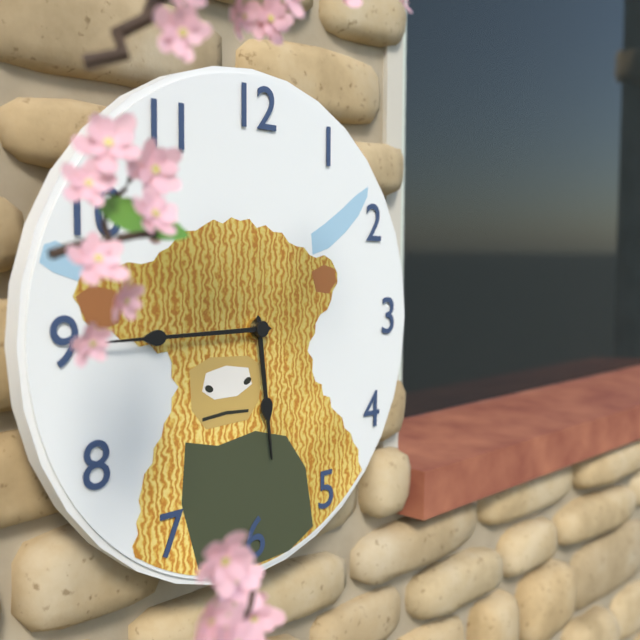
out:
5 h 45 min
